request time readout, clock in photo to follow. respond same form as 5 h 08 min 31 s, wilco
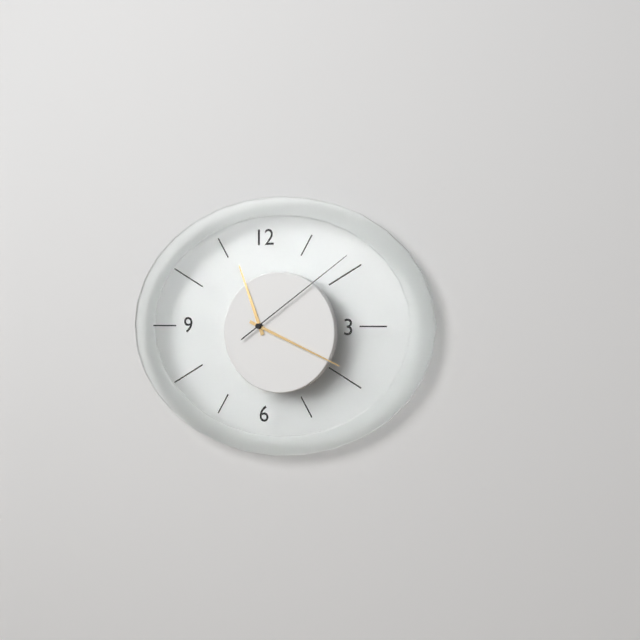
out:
11 h 19 min 09 s
